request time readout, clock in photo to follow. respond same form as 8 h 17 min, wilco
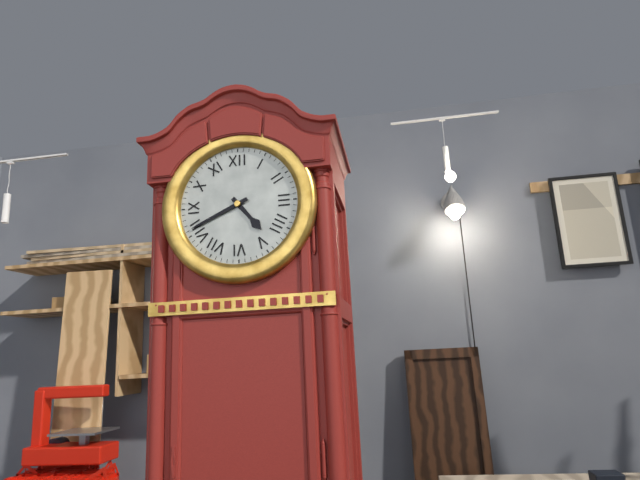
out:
4 h 41 min
